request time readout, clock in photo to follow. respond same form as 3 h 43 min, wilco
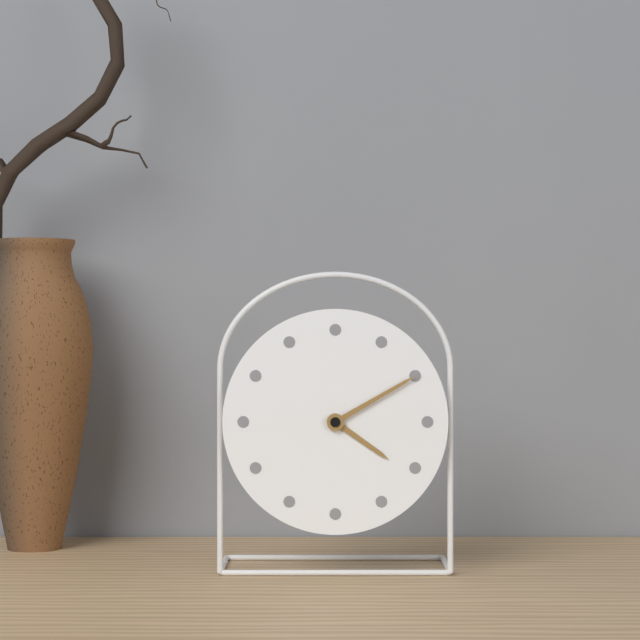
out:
4 h 10 min
